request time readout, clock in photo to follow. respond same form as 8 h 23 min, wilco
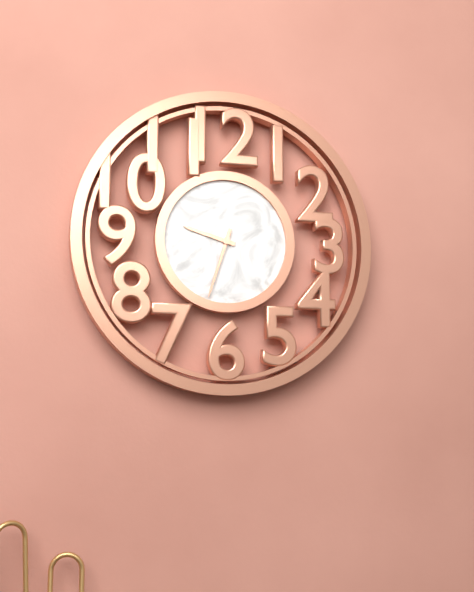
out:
9 h 33 min
